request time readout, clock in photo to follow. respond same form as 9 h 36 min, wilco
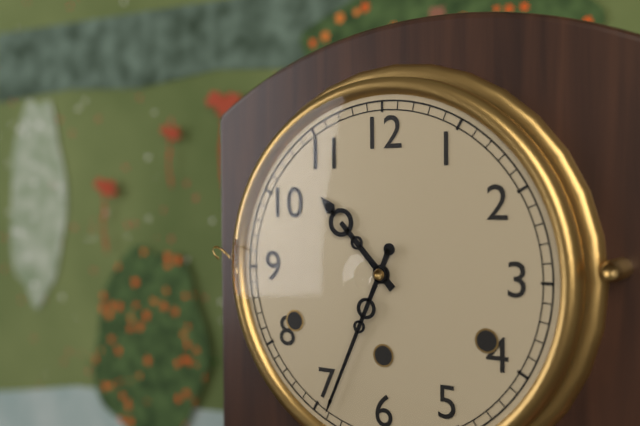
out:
10 h 34 min
